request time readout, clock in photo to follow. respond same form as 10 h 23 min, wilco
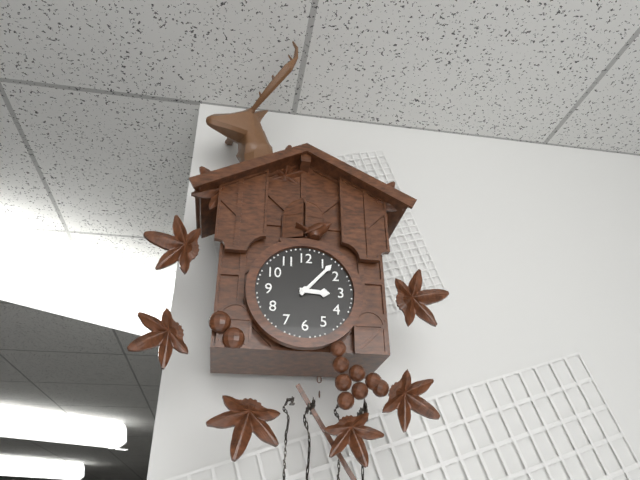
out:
3 h 07 min
